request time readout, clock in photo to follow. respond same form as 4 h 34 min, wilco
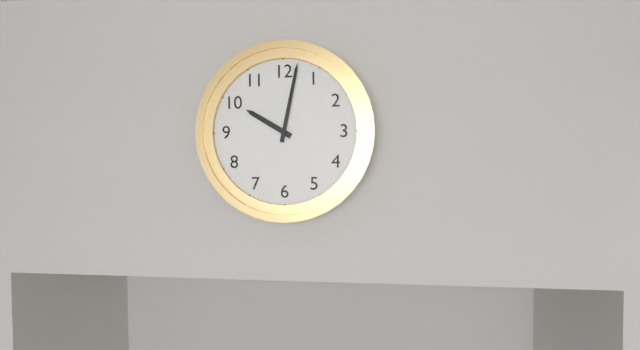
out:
10 h 02 min
